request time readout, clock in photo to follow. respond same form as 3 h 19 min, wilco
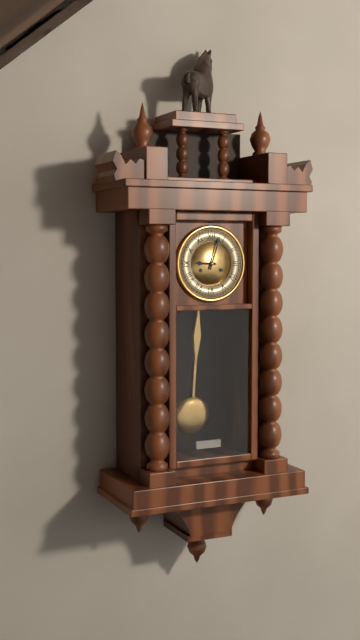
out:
9 h 03 min
